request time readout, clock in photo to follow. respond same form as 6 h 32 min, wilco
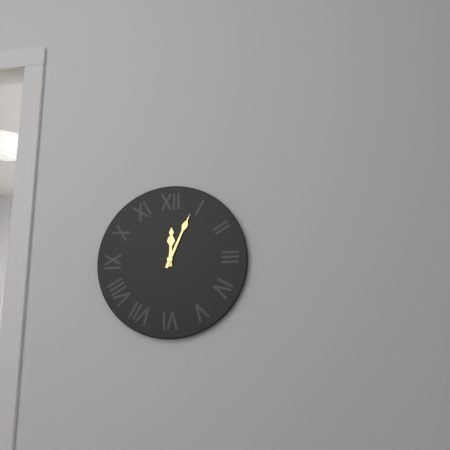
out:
12 h 04 min
